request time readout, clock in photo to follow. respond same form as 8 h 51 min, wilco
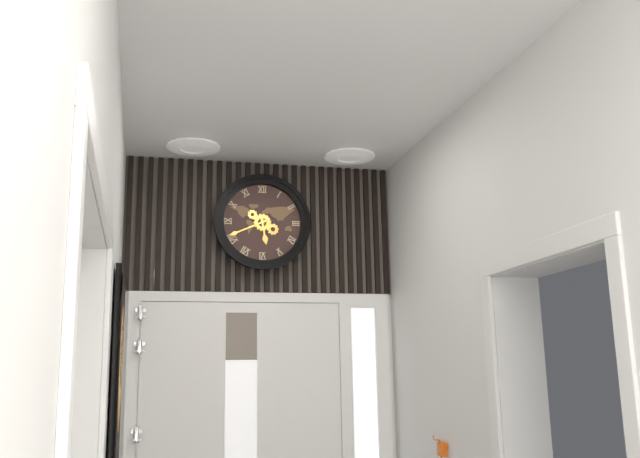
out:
5 h 41 min
